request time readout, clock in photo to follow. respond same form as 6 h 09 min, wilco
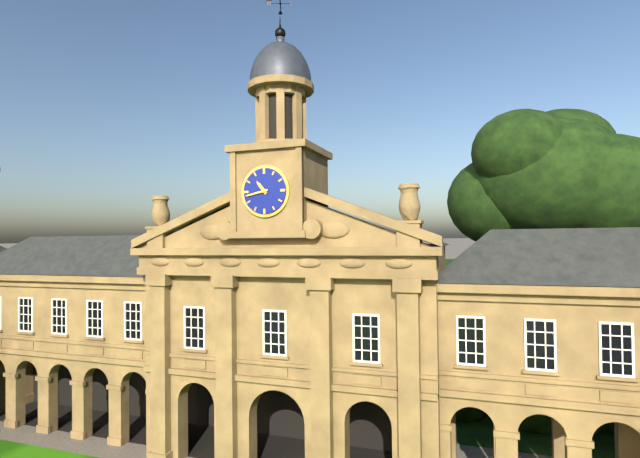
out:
10 h 43 min
